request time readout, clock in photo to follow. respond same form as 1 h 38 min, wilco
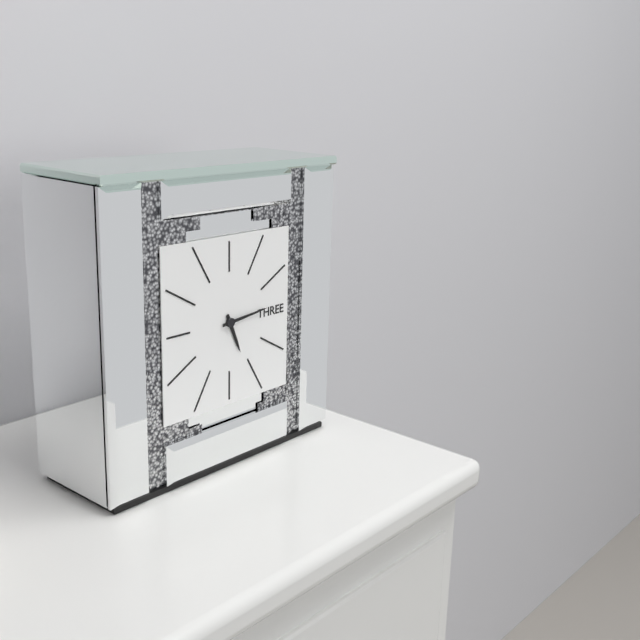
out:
5 h 14 min
